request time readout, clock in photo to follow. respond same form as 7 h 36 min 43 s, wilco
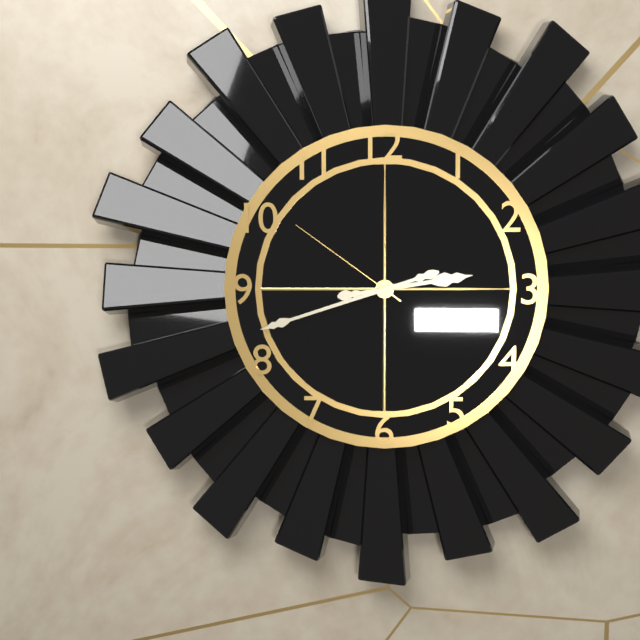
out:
2 h 42 min 51 s
